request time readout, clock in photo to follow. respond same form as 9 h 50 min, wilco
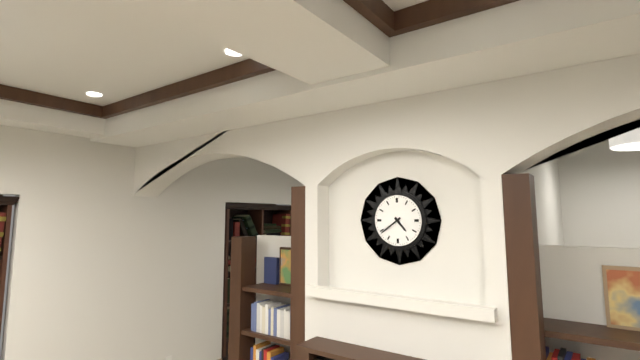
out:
4 h 39 min
